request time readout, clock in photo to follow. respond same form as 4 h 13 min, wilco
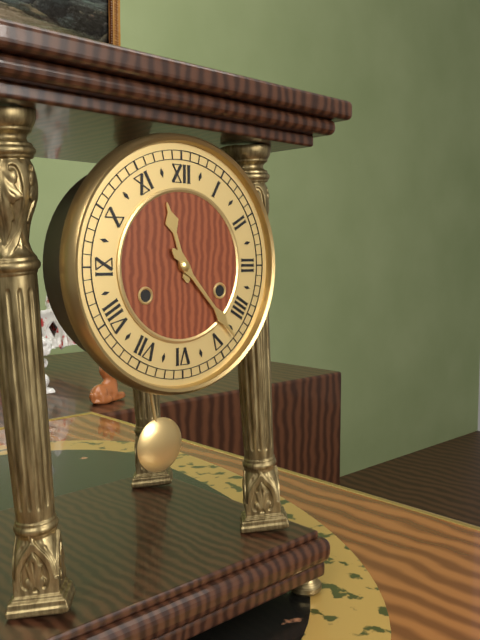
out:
11 h 23 min
